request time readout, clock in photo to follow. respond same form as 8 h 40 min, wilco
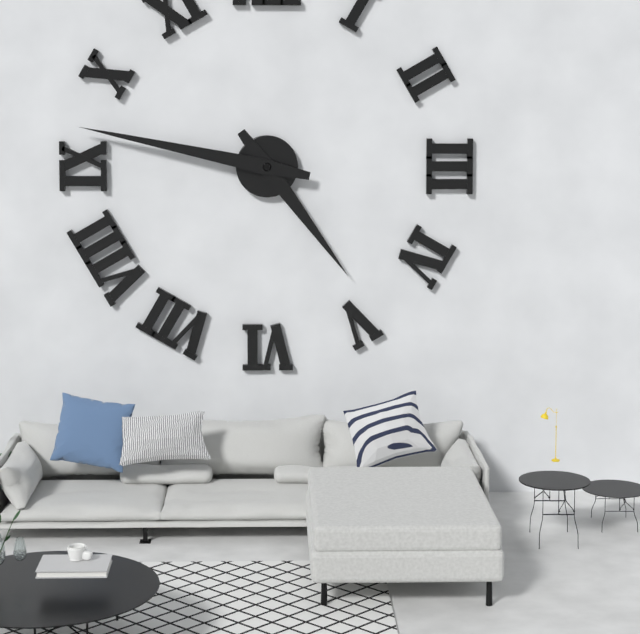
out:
4 h 47 min
